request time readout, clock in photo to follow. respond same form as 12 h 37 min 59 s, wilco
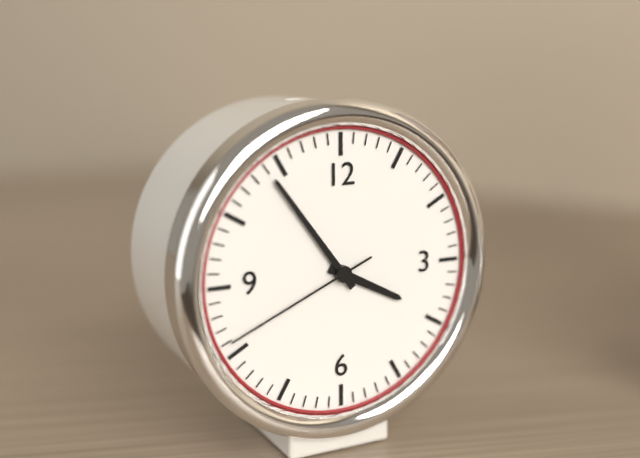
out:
3 h 54 min 41 s
